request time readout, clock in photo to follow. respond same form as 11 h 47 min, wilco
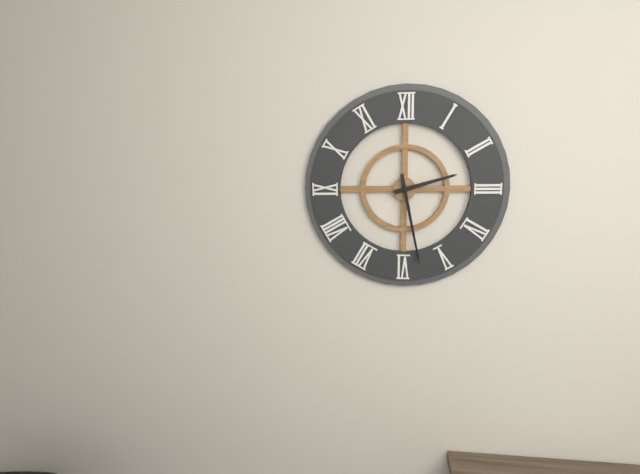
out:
2 h 28 min
